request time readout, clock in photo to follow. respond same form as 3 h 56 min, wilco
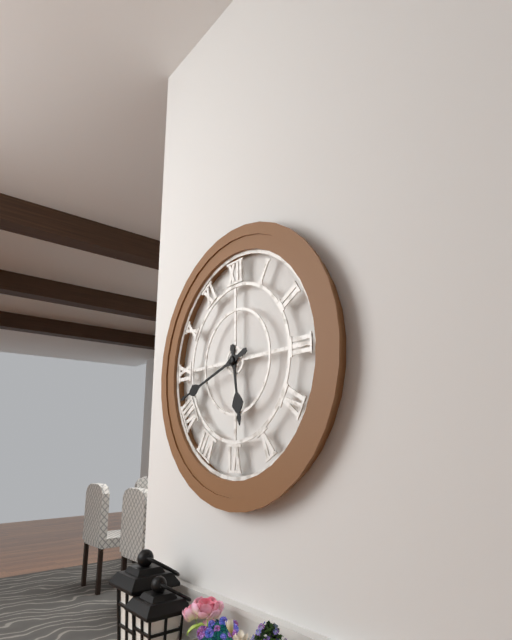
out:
5 h 42 min
